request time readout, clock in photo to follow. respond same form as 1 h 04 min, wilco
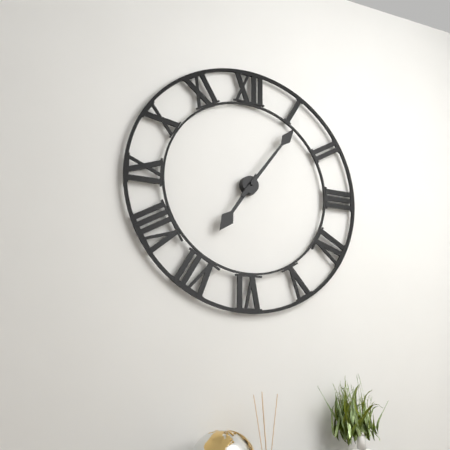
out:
7 h 06 min
